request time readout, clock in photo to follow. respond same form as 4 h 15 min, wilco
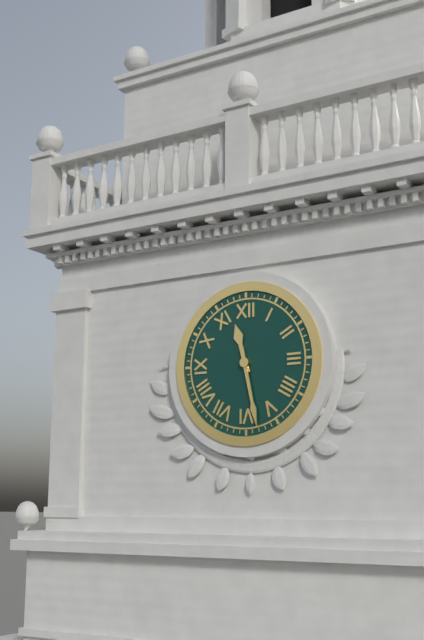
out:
11 h 28 min
